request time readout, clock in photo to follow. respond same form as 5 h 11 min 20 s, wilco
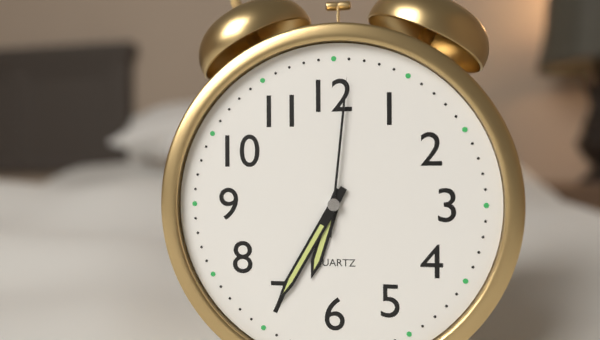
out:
6 h 35 min 01 s
